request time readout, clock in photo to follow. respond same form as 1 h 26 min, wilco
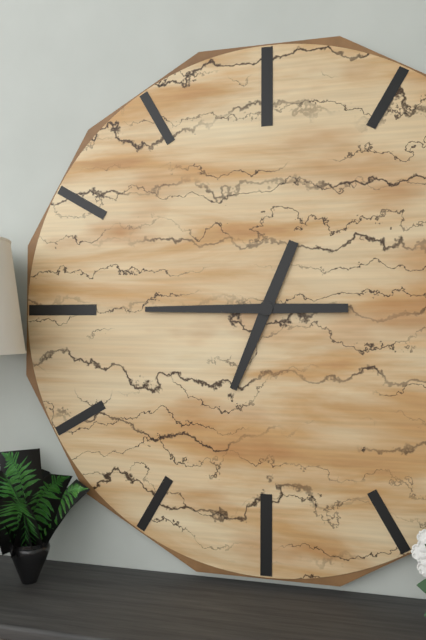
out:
6 h 45 min
